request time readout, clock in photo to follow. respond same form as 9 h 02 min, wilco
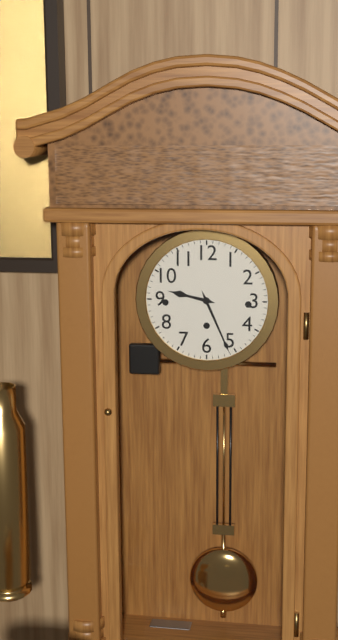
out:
9 h 26 min
